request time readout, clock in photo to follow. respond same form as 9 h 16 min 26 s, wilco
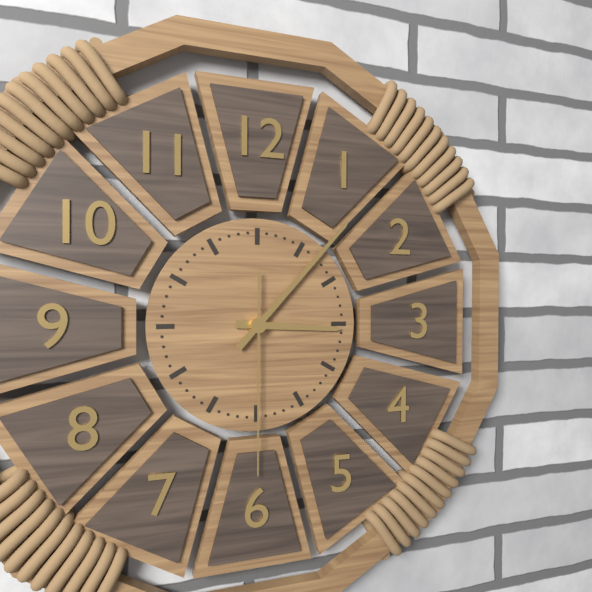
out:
3 h 07 min 30 s
